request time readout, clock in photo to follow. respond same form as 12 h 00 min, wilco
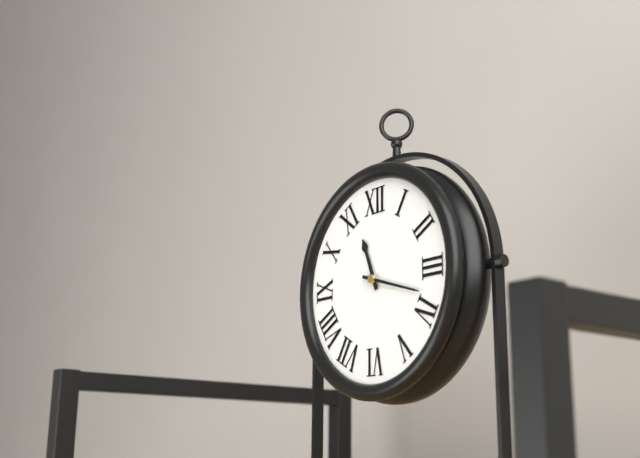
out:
11 h 18 min
